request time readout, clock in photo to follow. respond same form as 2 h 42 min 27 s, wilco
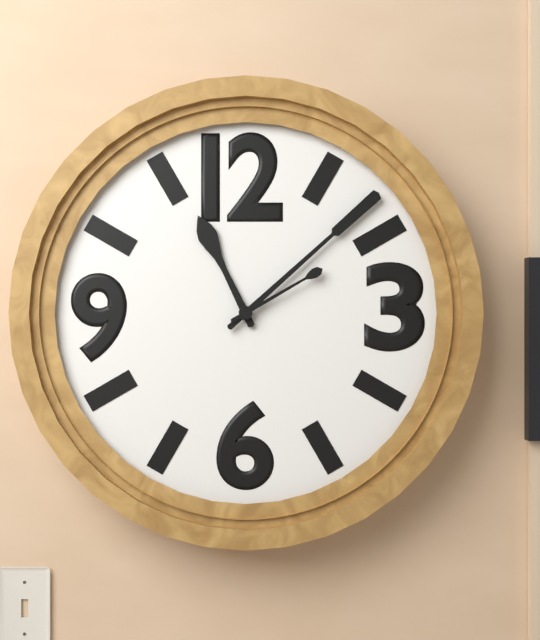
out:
11 h 08 min 10 s
